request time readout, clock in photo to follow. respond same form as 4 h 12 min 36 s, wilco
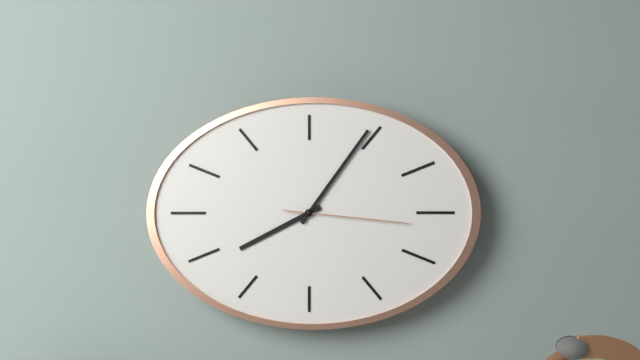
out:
8 h 06 min 16 s
